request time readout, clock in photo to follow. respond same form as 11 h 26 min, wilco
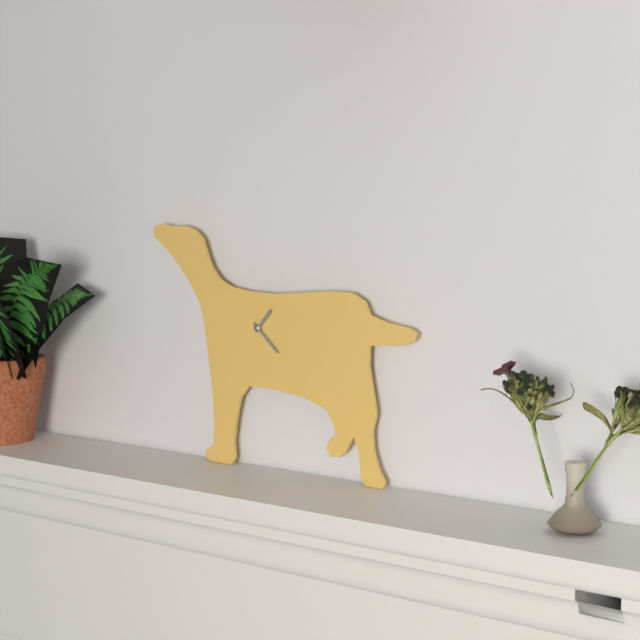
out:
1 h 22 min
